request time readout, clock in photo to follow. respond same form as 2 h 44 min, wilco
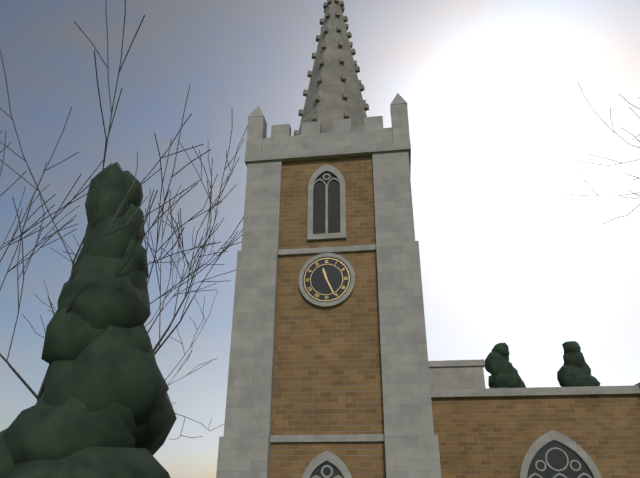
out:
11 h 26 min
